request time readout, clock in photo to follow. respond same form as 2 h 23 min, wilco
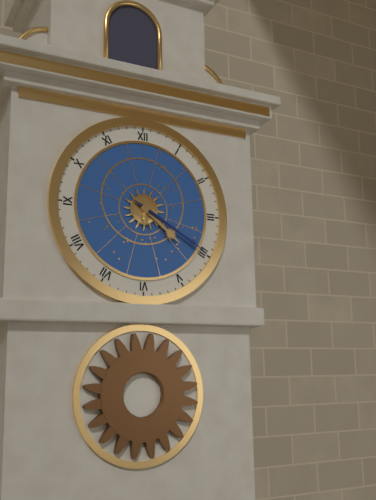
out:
4 h 20 min
